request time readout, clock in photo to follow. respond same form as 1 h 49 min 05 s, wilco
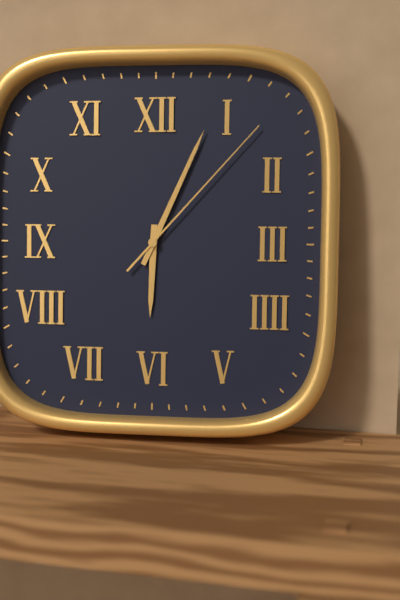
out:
6 h 04 min 07 s
